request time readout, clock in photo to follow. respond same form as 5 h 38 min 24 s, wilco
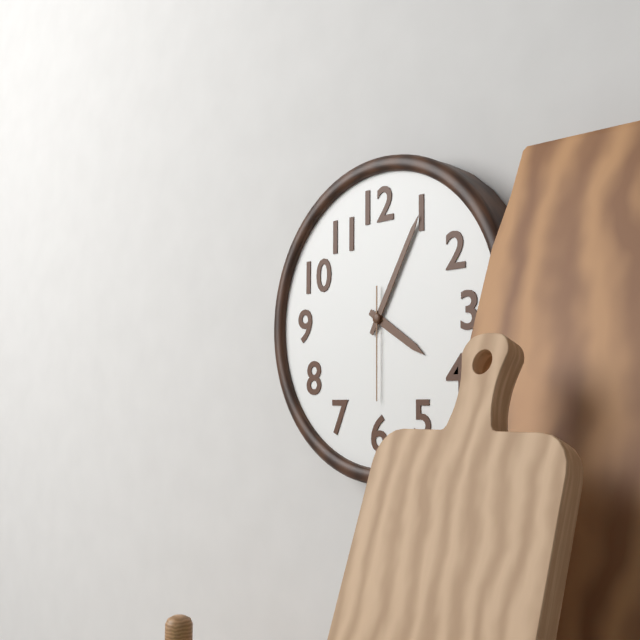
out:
4 h 05 min 30 s
